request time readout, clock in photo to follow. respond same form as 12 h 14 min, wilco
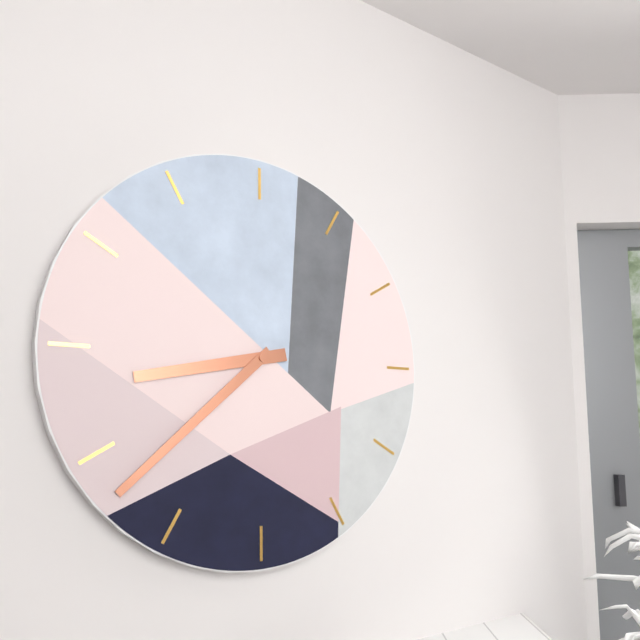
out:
8 h 38 min
